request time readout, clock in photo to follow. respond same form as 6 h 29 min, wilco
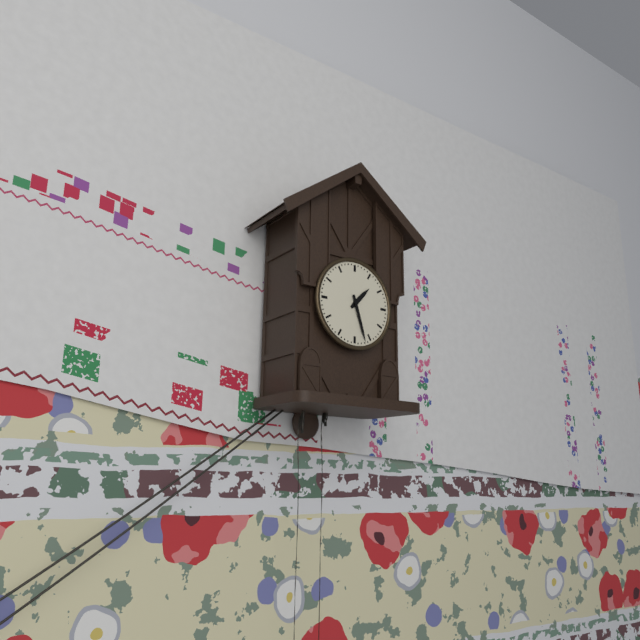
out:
1 h 27 min
